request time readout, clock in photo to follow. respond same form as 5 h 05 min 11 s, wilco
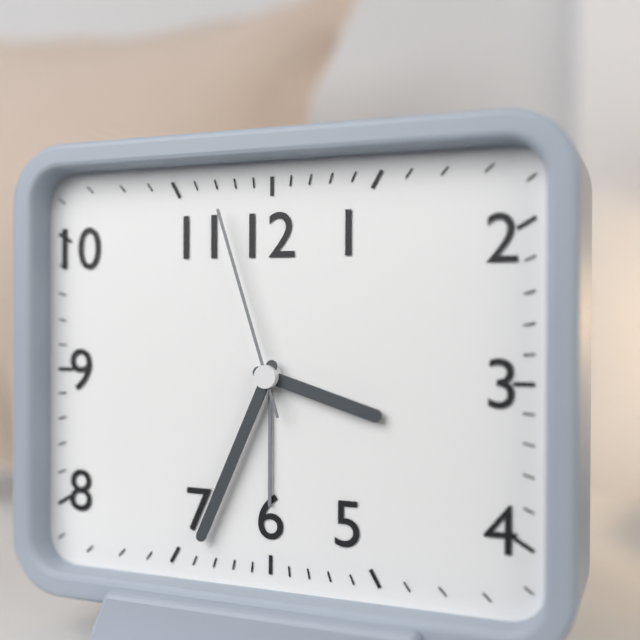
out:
3 h 34 min 57 s
